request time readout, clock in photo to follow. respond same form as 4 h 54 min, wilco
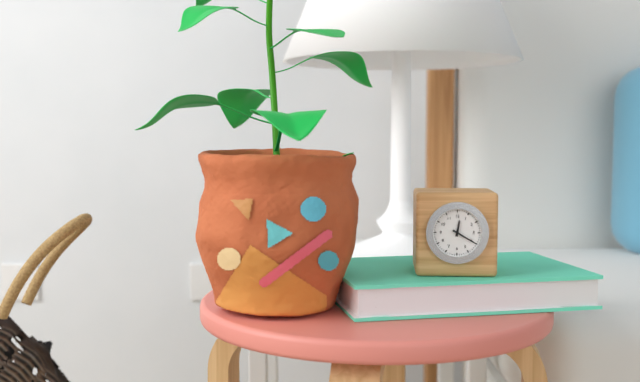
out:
12 h 20 min
